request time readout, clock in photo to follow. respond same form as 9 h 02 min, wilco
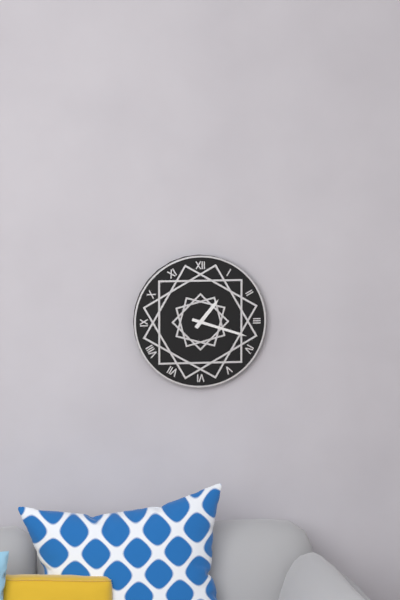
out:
1 h 18 min
